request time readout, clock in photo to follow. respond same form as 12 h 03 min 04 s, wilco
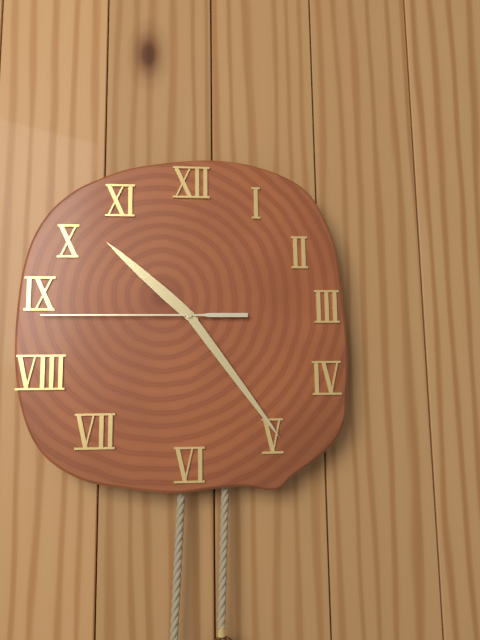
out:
10 h 24 min 45 s
